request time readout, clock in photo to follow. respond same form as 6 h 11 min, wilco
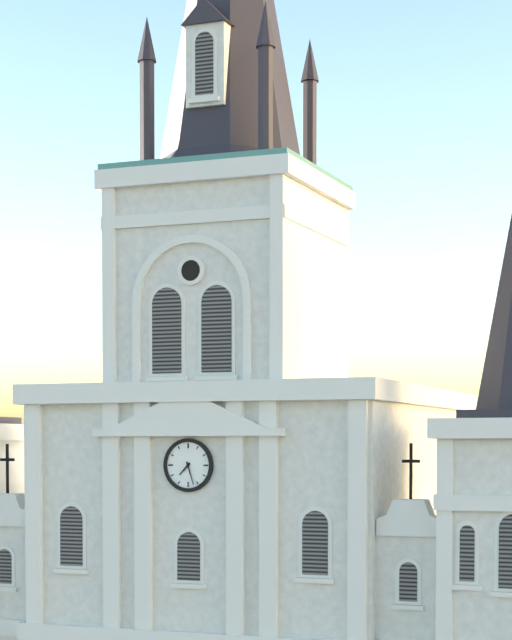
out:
7 h 27 min
